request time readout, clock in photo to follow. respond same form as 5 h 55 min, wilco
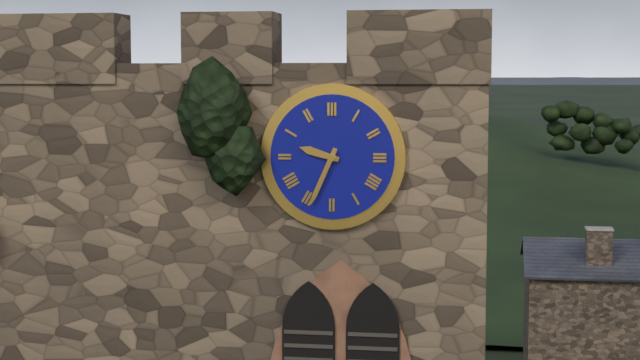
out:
9 h 34 min
